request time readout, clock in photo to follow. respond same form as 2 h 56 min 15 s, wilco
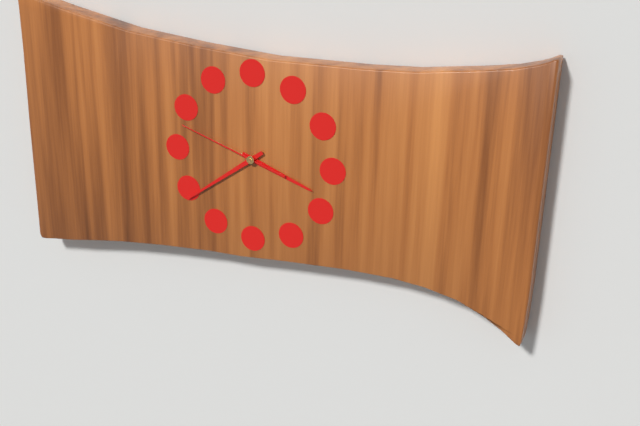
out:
3 h 39 min 48 s
